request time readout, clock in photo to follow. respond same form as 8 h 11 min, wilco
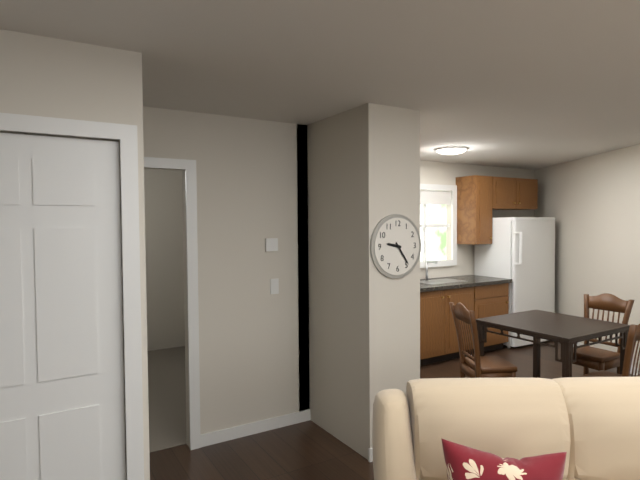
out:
9 h 24 min
